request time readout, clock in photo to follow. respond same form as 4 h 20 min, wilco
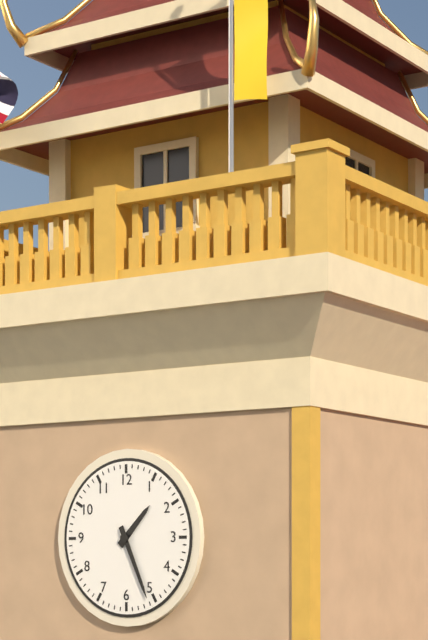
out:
1 h 26 min
